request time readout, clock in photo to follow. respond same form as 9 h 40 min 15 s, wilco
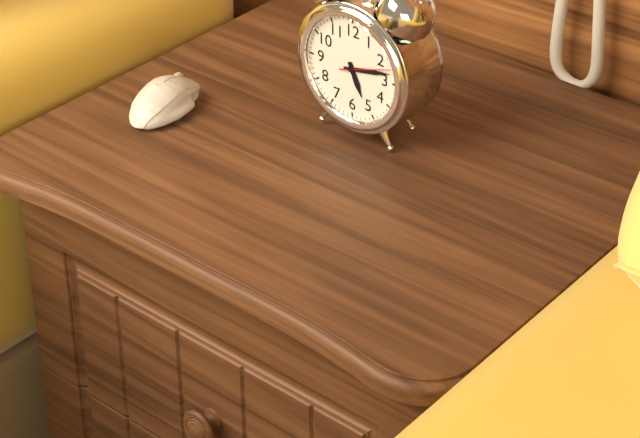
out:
5 h 13 min 12 s
